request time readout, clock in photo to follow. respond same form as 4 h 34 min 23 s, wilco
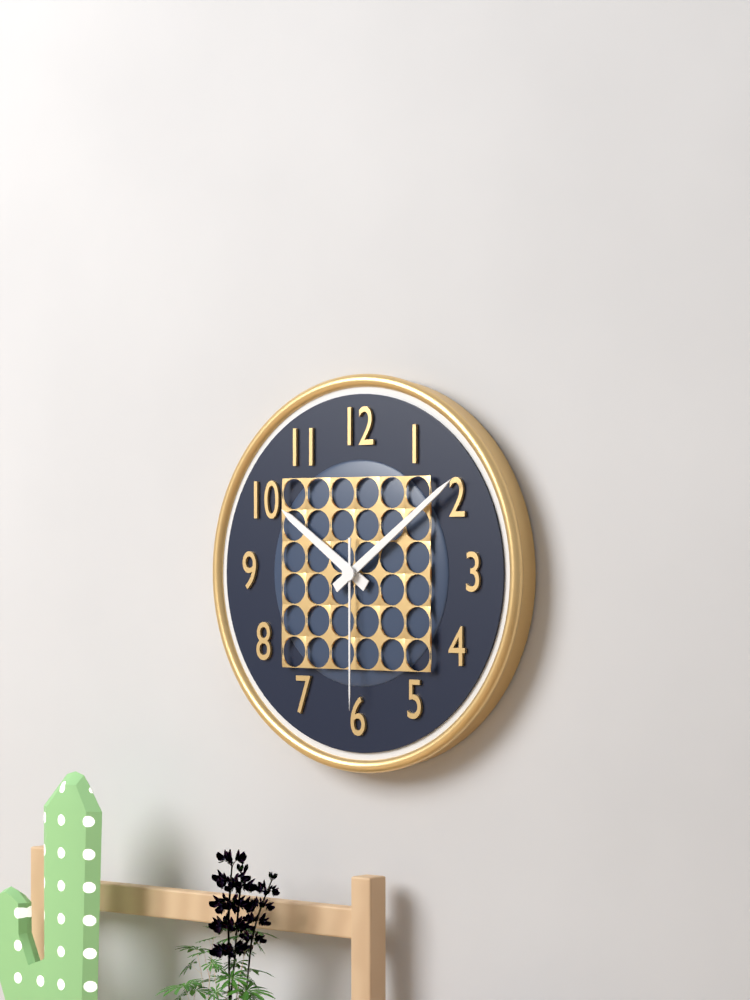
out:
10 h 09 min 30 s
